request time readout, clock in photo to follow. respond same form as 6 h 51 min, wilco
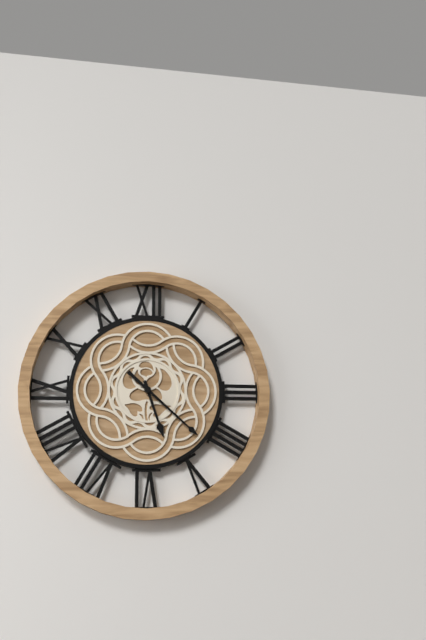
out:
5 h 22 min
